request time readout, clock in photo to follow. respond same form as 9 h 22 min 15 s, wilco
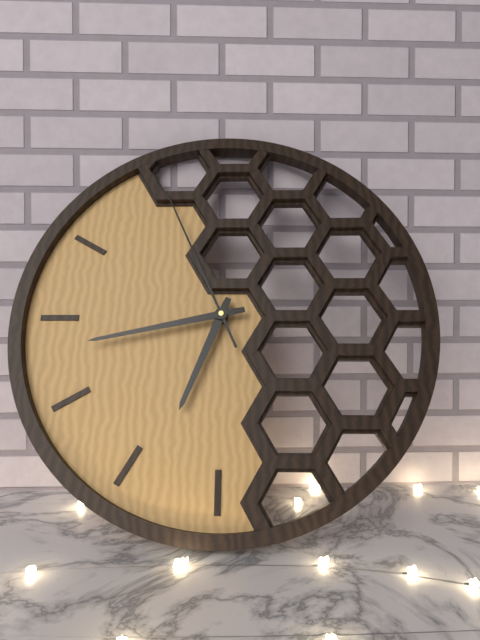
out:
6 h 43 min 56 s
